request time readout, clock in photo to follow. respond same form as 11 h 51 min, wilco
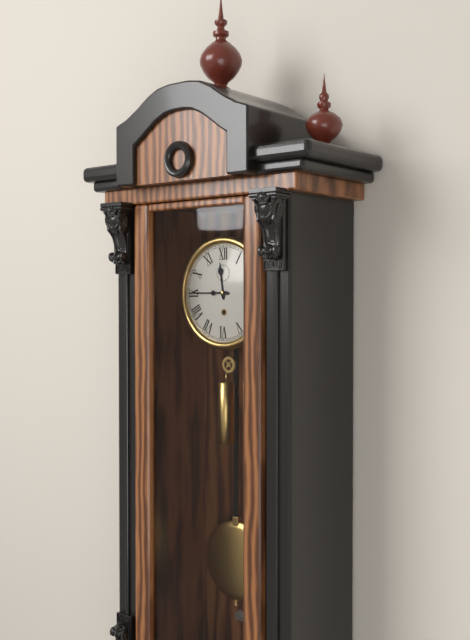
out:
11 h 45 min
